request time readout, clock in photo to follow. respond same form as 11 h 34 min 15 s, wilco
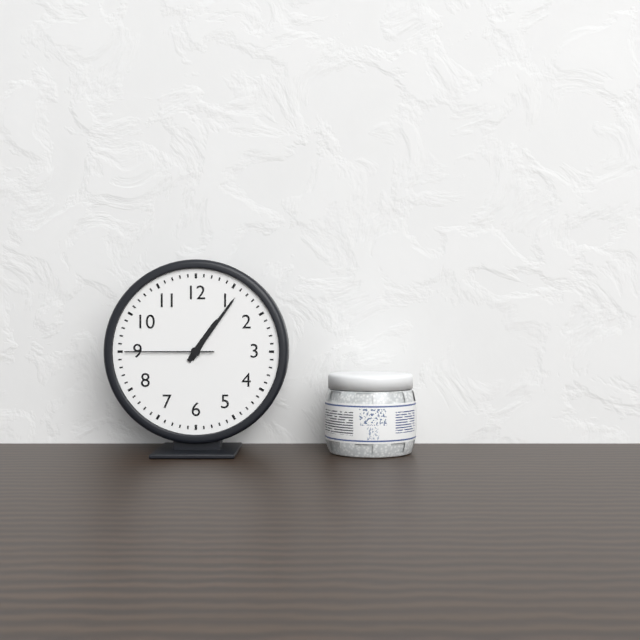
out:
1 h 06 min 45 s
